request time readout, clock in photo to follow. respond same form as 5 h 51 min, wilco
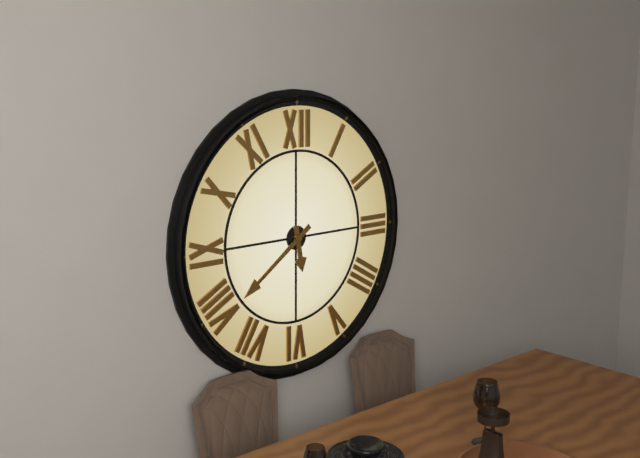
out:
5 h 39 min
